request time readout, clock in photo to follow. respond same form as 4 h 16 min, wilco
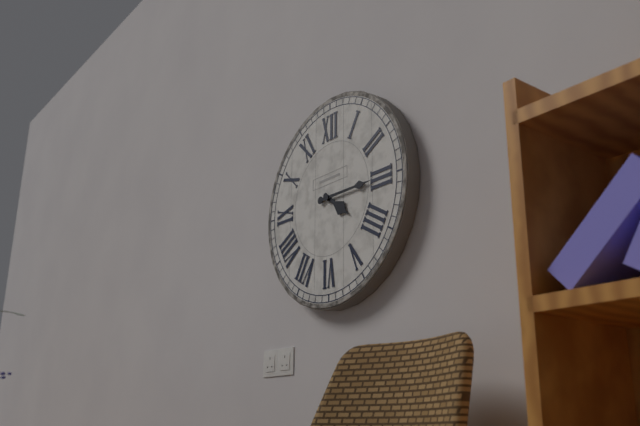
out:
4 h 15 min
